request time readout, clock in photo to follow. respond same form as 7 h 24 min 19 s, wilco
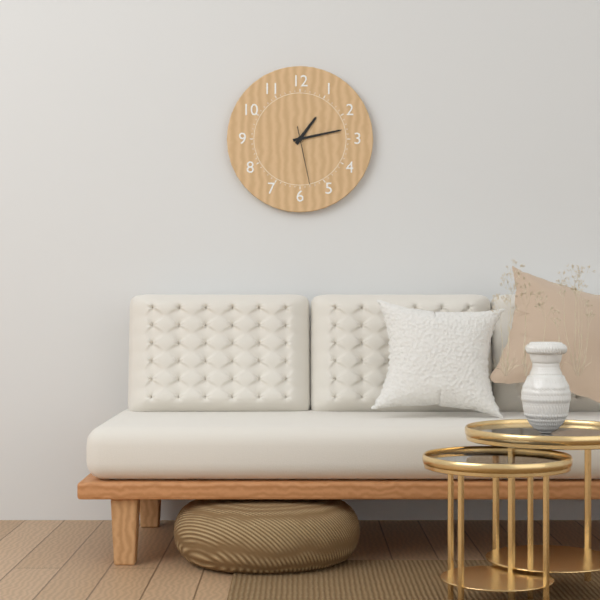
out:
1 h 13 min 28 s
